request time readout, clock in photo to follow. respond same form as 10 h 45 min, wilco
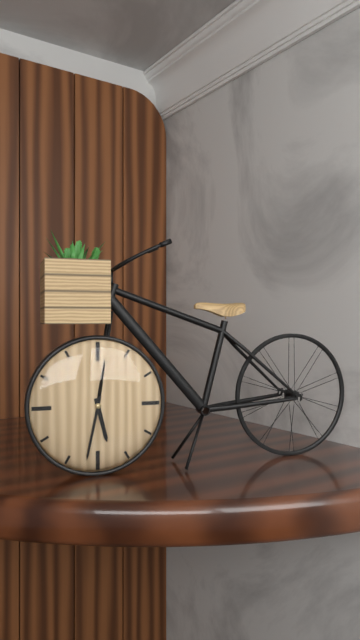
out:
5 h 32 min
